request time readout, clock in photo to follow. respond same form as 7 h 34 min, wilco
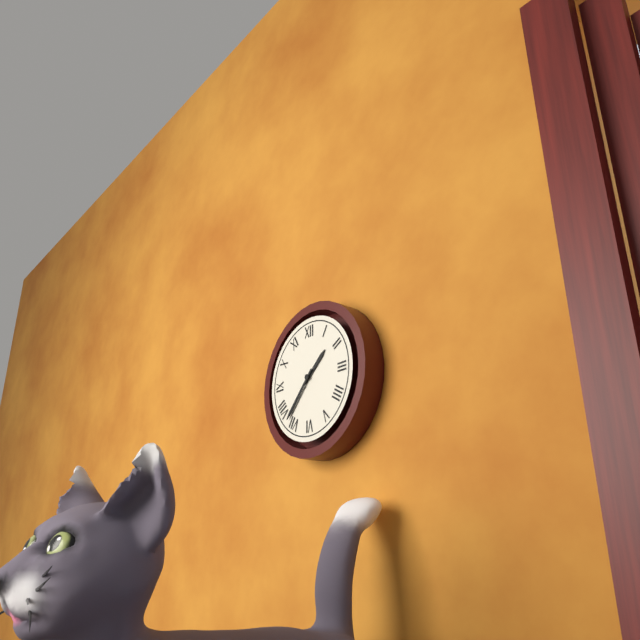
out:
1 h 37 min
